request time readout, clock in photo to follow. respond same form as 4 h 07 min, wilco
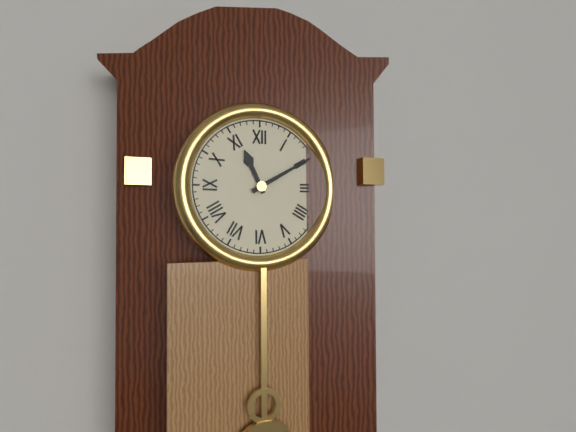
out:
11 h 10 min
